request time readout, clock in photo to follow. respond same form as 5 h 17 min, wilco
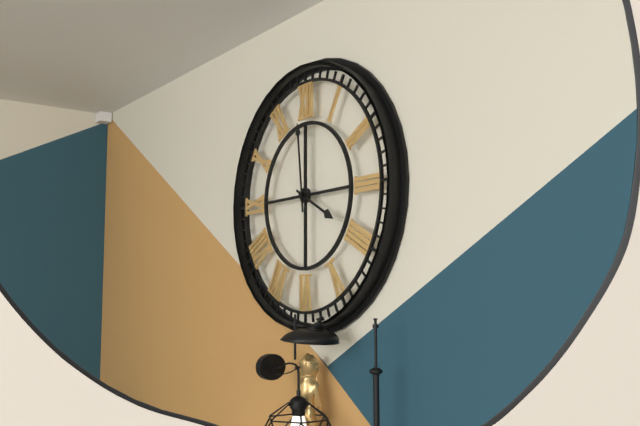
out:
3 h 59 min
